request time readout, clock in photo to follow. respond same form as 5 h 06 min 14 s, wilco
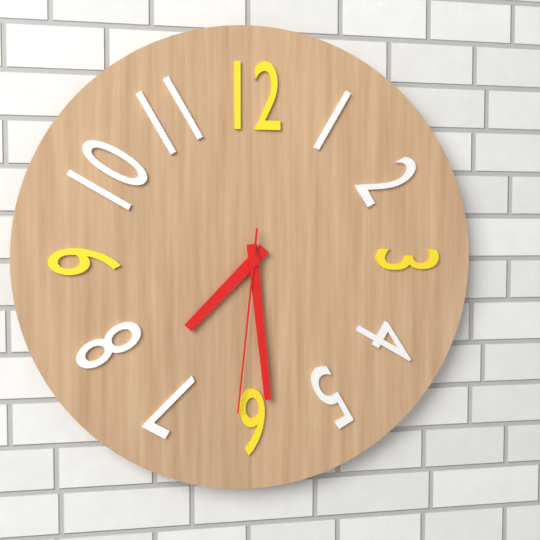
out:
7 h 29 min 31 s
